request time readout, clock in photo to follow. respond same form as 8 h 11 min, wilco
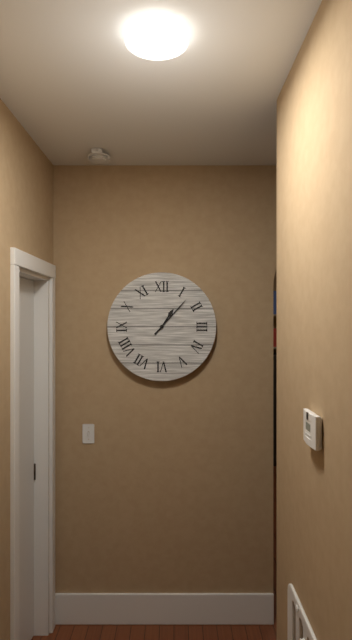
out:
1 h 07 min
